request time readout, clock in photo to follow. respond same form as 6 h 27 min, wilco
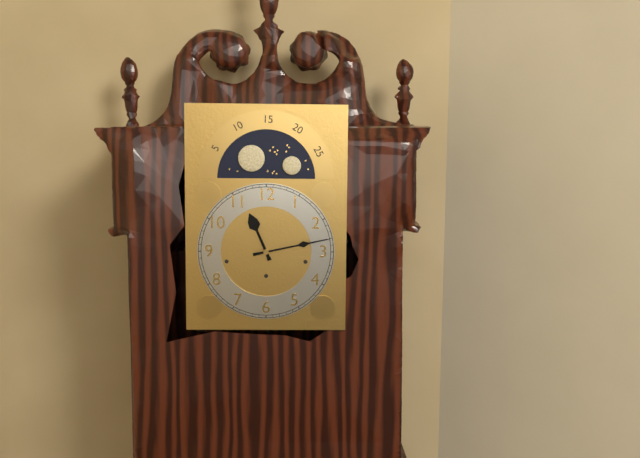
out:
11 h 13 min
